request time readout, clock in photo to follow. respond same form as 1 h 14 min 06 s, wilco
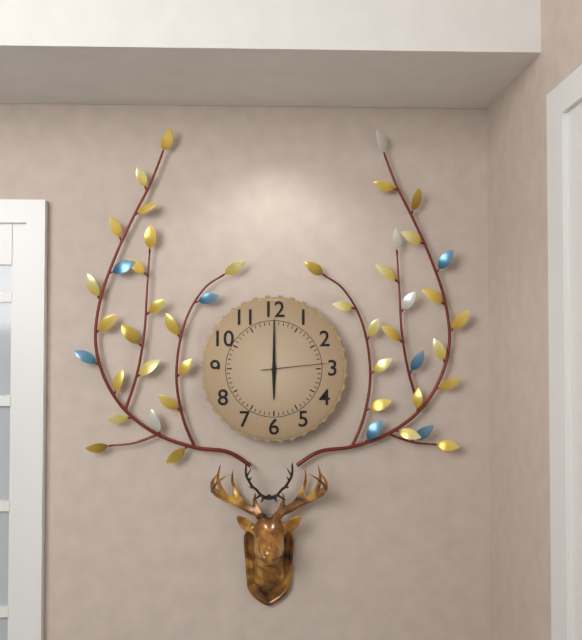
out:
6 h 00 min 14 s
